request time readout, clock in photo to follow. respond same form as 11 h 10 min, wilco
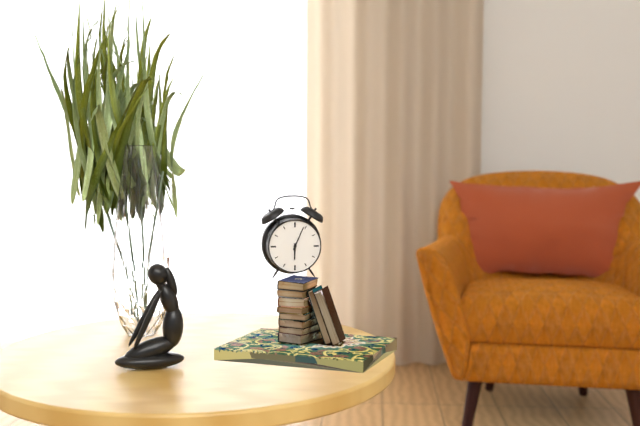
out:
6 h 04 min
